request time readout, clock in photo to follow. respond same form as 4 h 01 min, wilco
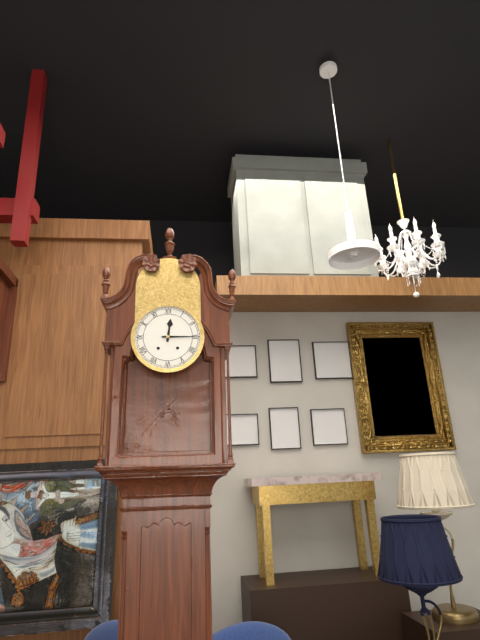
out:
12 h 15 min
